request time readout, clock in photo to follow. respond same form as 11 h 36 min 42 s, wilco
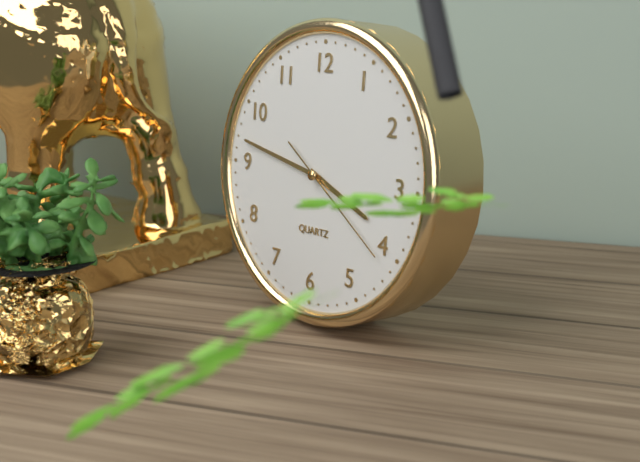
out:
3 h 47 min 21 s
